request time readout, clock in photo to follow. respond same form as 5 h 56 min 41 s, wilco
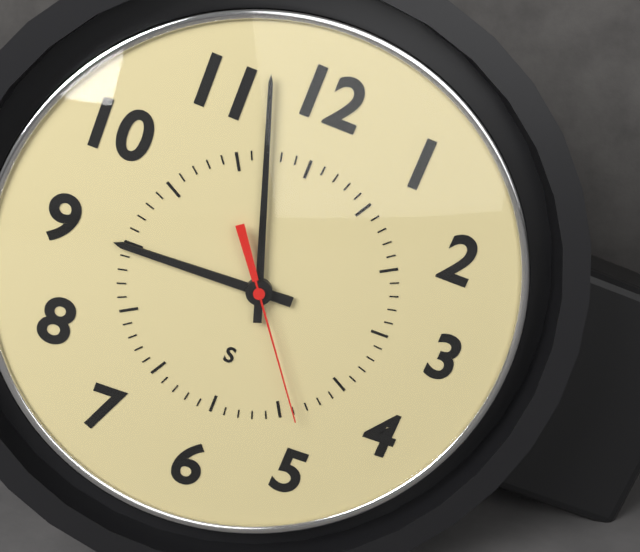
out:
8 h 57 min 24 s
